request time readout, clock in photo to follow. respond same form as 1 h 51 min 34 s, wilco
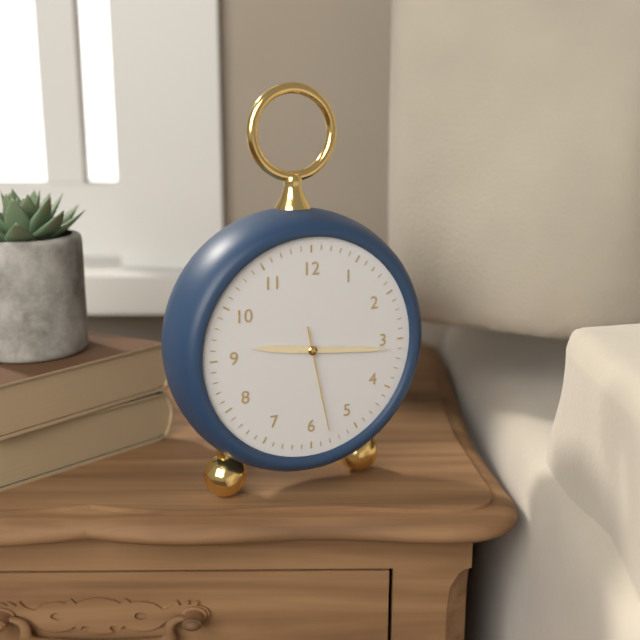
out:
9 h 16 min 28 s
